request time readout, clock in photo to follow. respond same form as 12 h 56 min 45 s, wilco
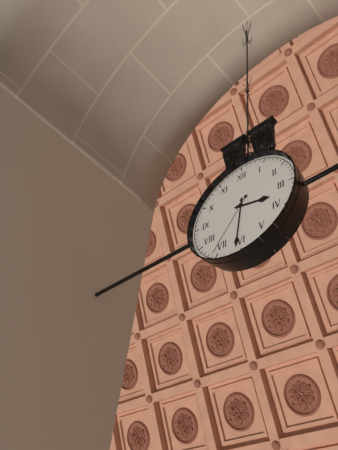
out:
3 h 31 min 36 s
